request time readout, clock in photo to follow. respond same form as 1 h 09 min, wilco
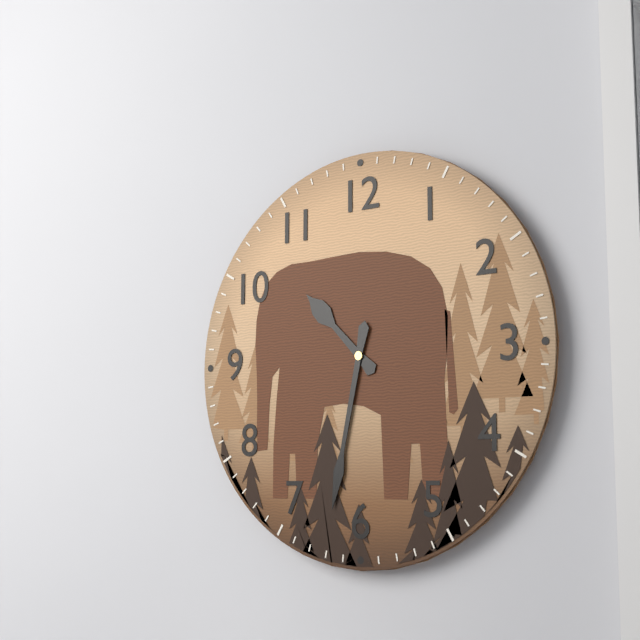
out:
10 h 32 min
